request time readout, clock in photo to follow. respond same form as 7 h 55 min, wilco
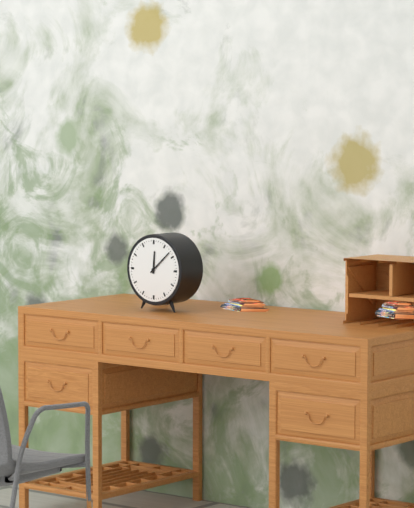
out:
12 h 08 min
